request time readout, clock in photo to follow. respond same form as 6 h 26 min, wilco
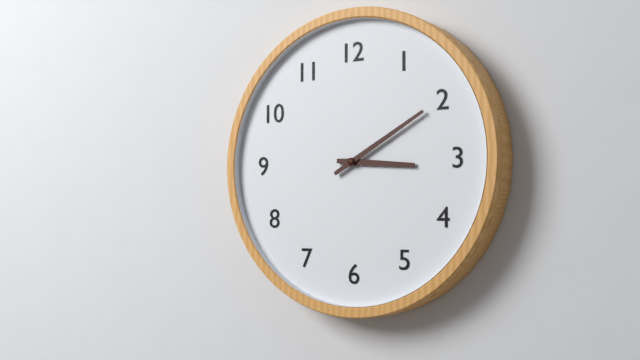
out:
3 h 10 min
